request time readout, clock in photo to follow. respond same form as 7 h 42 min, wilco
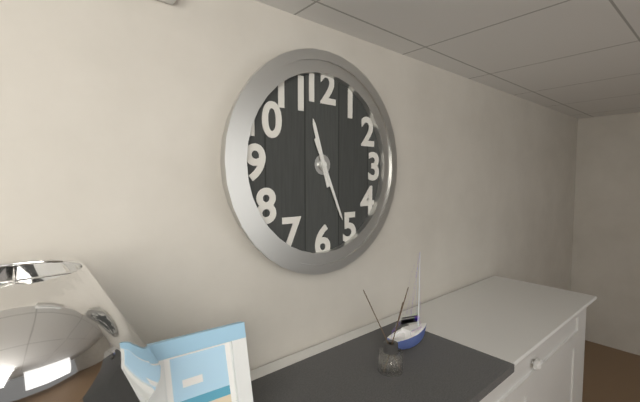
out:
11 h 26 min
